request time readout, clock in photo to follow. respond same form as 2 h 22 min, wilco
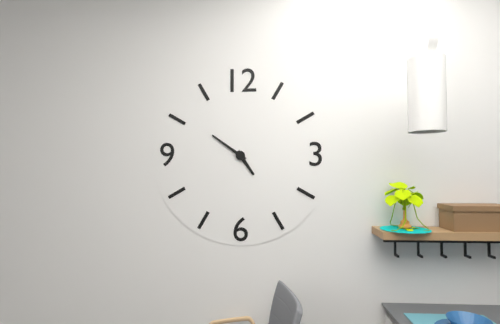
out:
4 h 51 min
